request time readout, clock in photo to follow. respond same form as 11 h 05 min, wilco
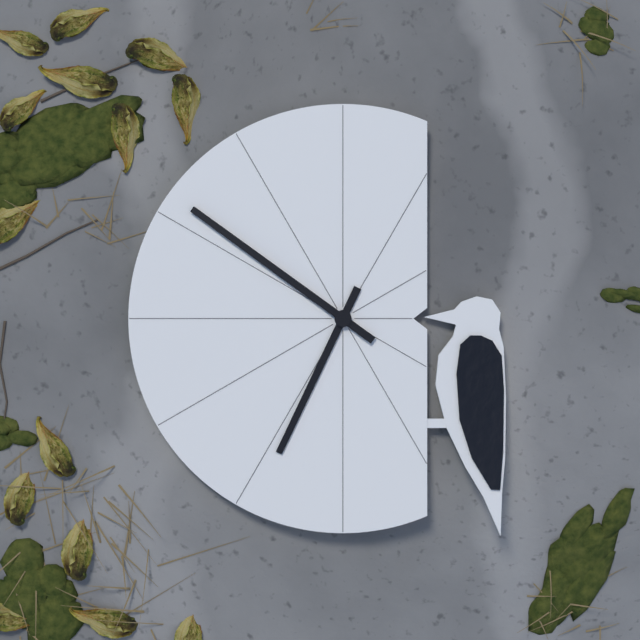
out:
6 h 51 min
